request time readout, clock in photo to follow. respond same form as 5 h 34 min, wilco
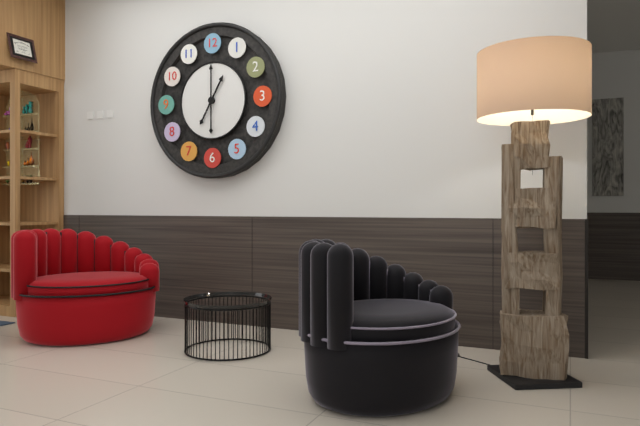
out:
1 h 00 min
